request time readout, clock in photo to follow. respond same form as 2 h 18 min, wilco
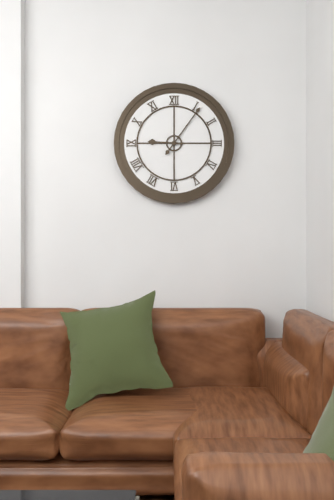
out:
9 h 06 min
